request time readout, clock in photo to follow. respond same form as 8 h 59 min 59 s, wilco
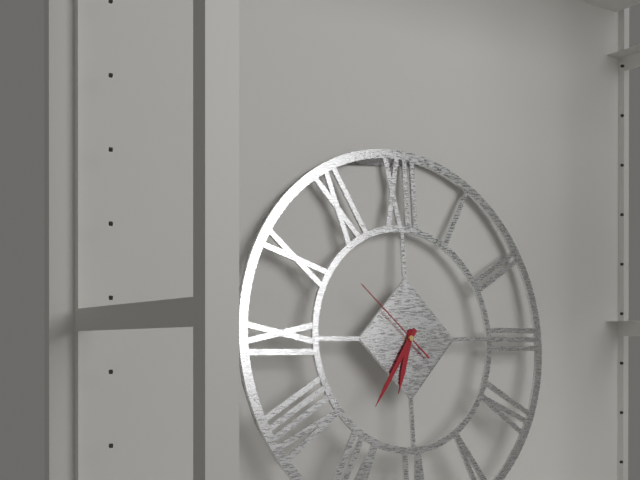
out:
6 h 36 min 52 s
